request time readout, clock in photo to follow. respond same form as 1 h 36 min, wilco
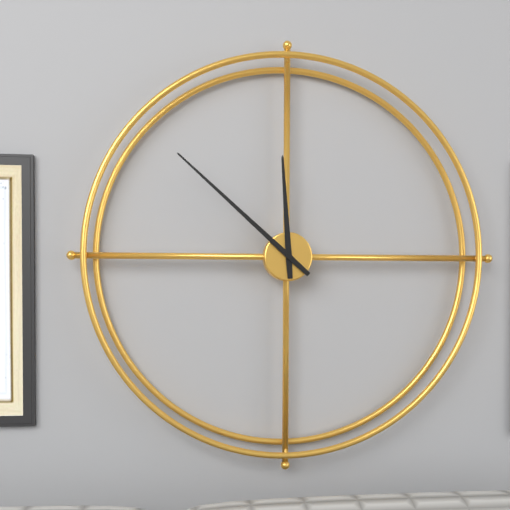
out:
11 h 52 min
